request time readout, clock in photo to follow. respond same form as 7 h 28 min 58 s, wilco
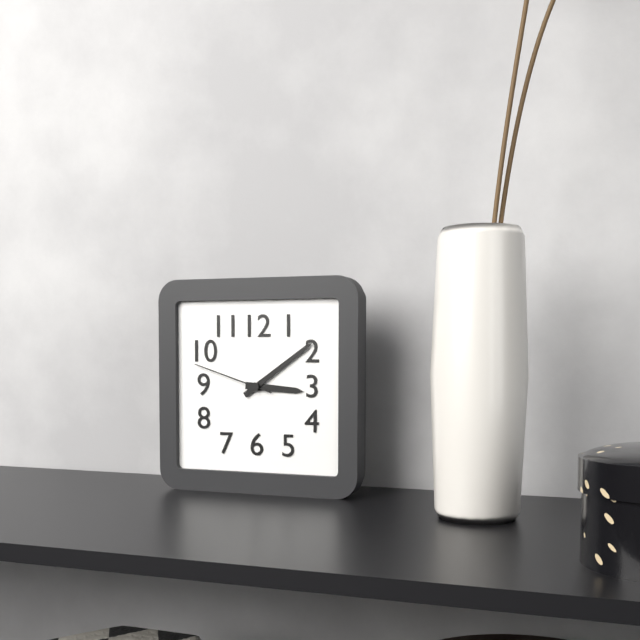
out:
3 h 09 min 48 s
